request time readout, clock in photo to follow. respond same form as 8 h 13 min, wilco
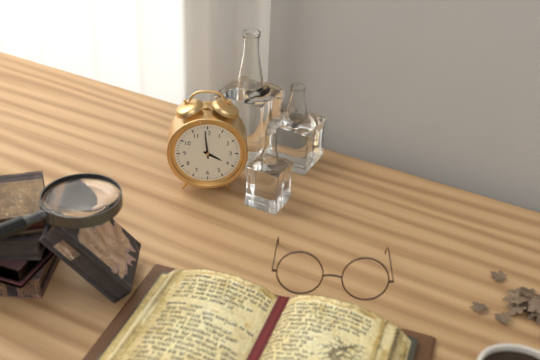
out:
3 h 59 min
